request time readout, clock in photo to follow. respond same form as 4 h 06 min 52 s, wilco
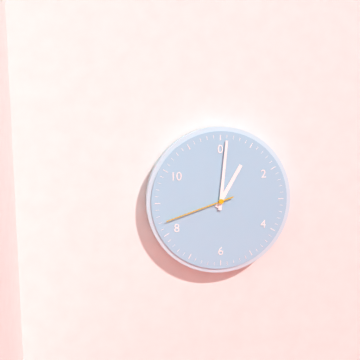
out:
1 h 01 min 42 s
